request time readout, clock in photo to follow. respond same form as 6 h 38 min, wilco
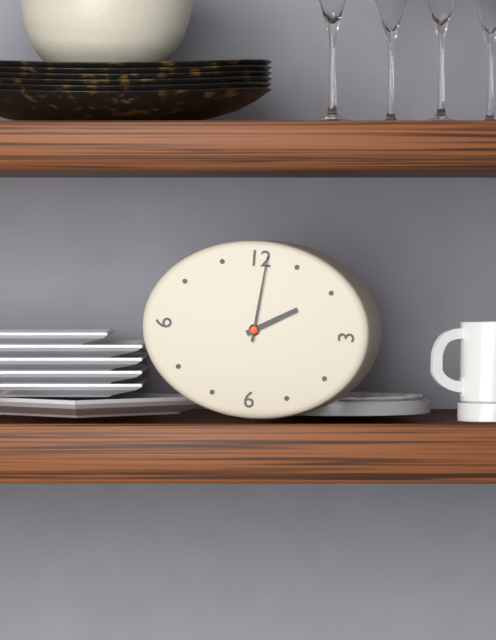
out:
2 h 01 min
